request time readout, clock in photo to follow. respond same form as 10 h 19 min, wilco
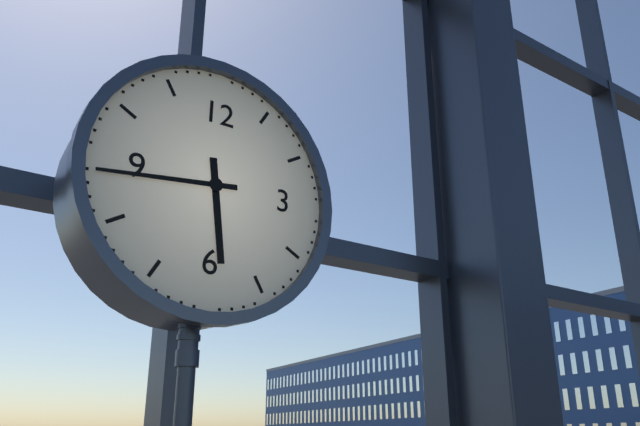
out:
5 h 44 min
